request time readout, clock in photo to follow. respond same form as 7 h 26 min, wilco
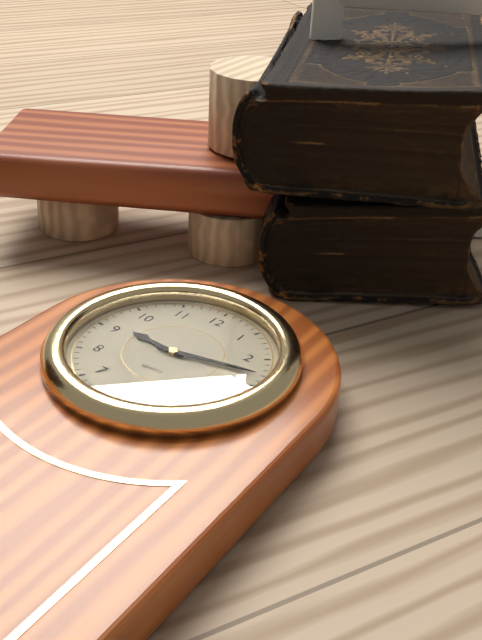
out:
9 h 13 min
